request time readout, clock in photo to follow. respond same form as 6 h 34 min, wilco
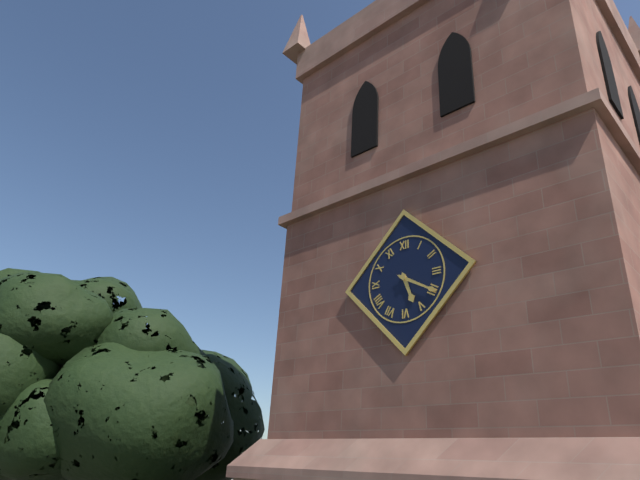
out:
5 h 20 min
